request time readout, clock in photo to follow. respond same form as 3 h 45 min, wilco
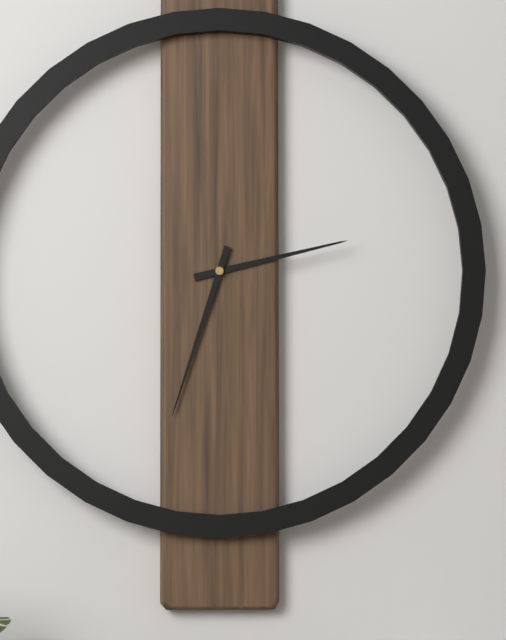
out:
2 h 33 min
